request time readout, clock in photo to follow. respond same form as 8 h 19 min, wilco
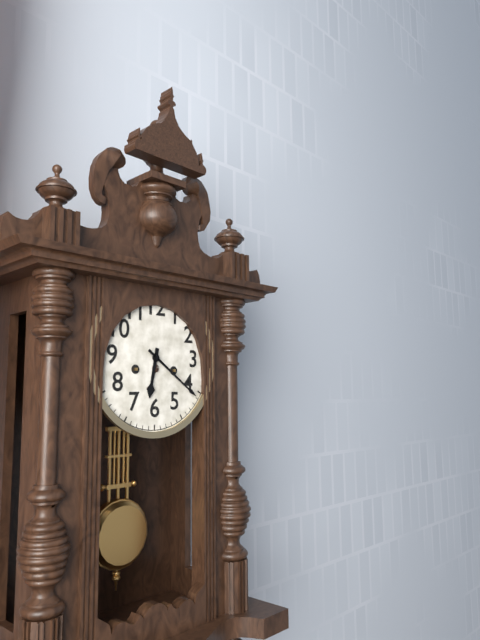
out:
6 h 21 min
